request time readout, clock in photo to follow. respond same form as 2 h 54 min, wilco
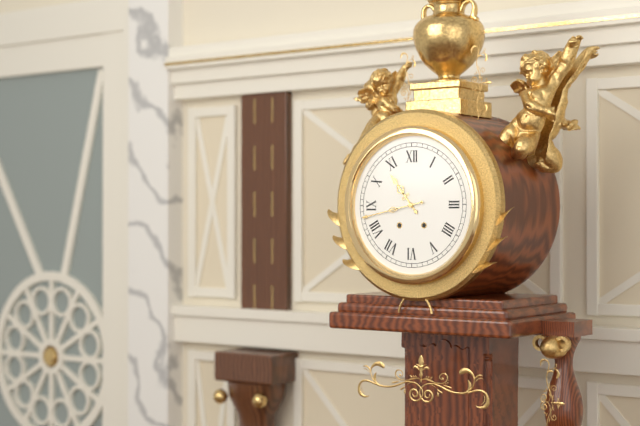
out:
10 h 43 min
